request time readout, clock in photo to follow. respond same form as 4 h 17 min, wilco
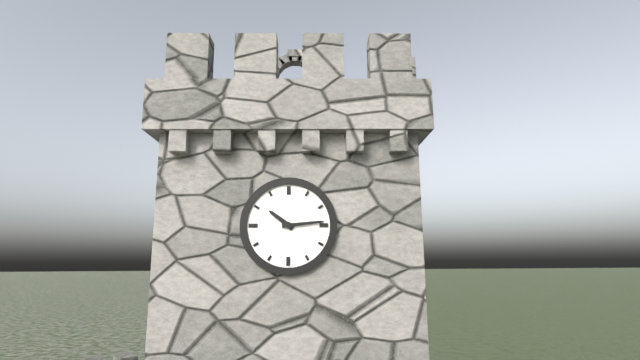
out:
10 h 14 min
